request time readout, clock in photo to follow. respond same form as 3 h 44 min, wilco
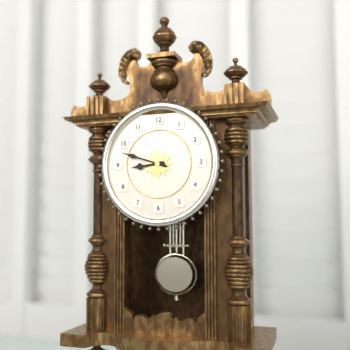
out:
8 h 48 min
